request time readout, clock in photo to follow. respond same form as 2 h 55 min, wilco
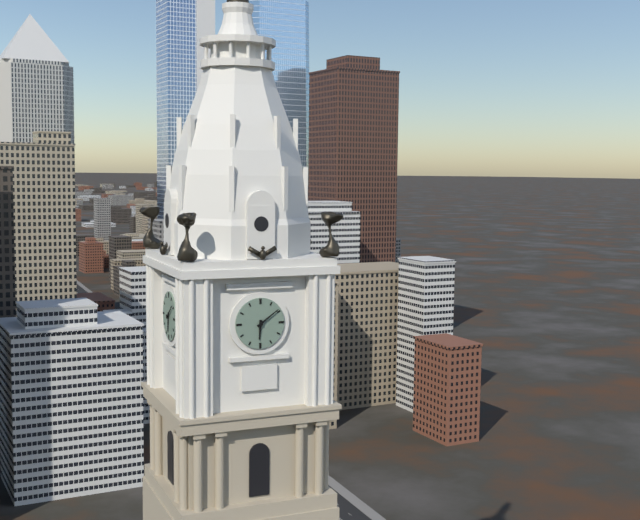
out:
6 h 09 min
